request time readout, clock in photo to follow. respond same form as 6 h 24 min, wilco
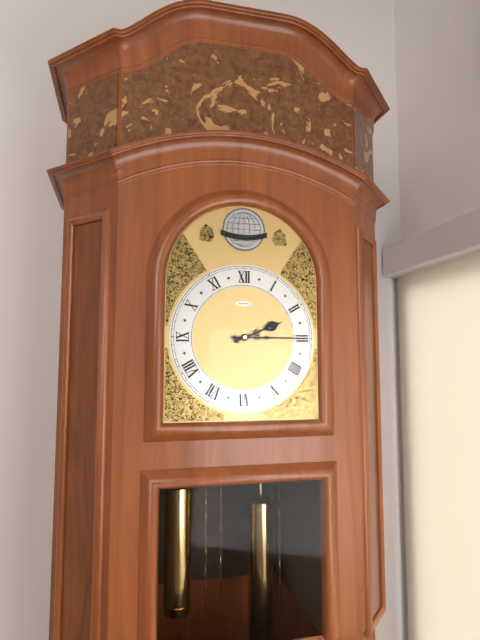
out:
2 h 15 min
